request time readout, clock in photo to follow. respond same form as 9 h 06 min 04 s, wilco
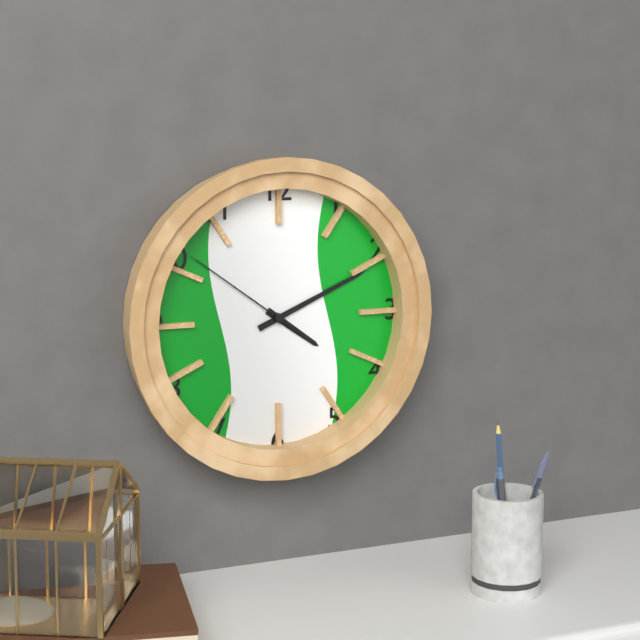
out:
4 h 11 min 51 s
